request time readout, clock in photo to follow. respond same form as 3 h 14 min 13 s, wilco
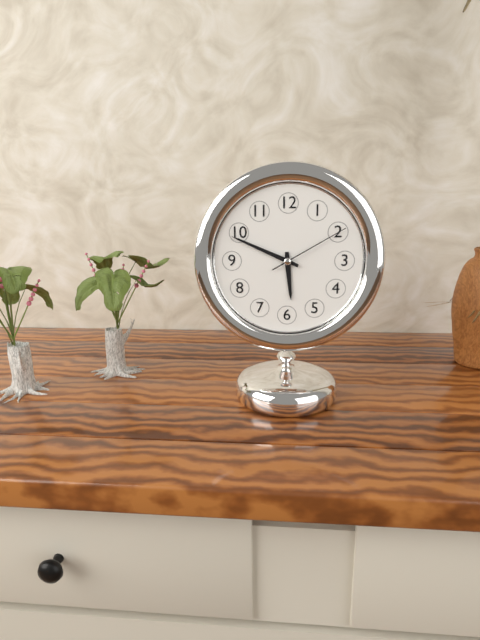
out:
5 h 49 min 10 s
